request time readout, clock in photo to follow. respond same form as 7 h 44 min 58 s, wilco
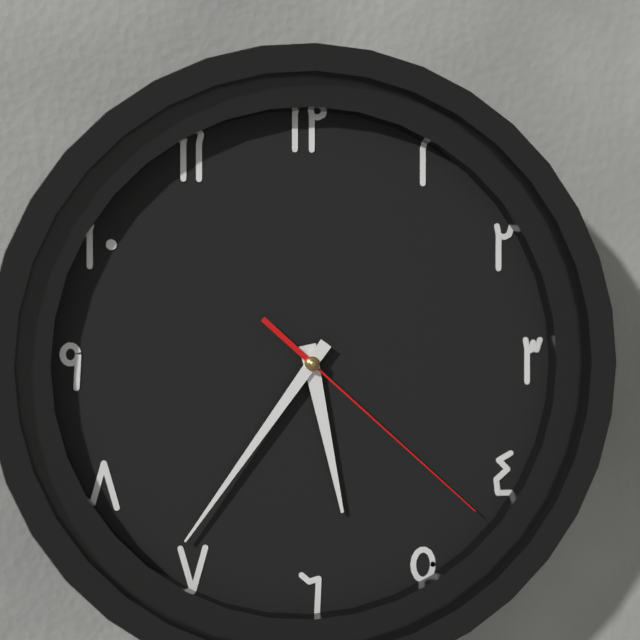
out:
5 h 36 min 22 s
